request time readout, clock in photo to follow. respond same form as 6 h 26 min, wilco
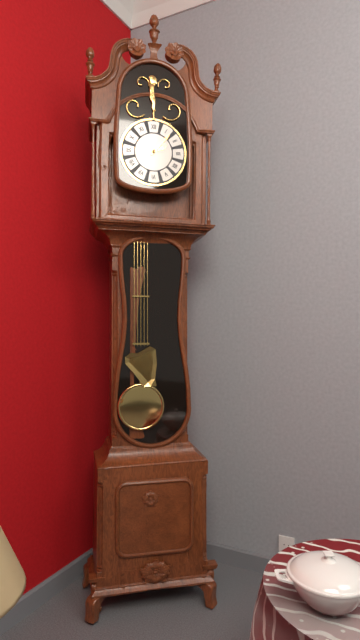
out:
2 h 07 min
